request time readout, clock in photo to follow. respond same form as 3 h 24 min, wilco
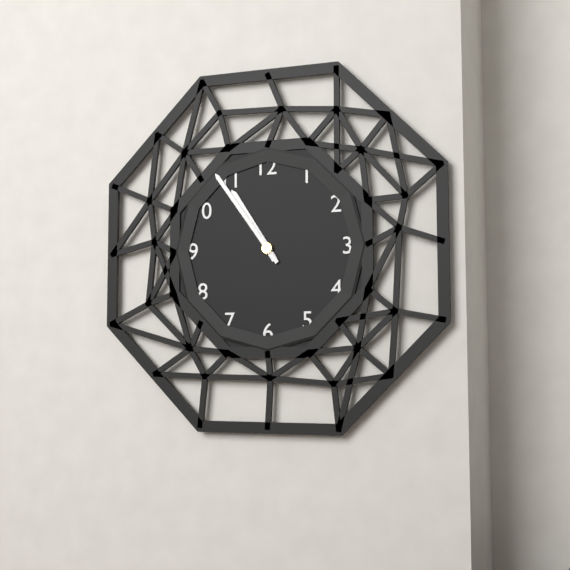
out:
10 h 54 min
